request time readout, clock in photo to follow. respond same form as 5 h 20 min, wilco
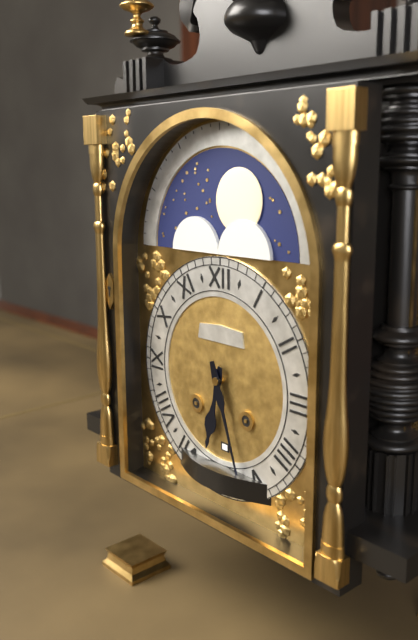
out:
6 h 27 min
